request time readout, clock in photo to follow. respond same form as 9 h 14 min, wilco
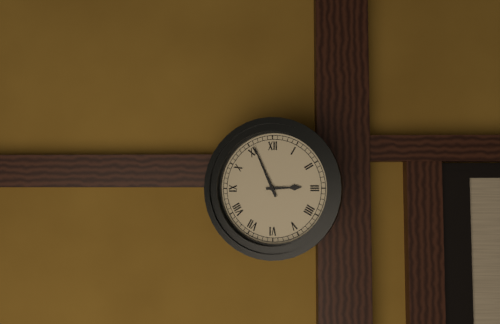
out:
2 h 56 min
